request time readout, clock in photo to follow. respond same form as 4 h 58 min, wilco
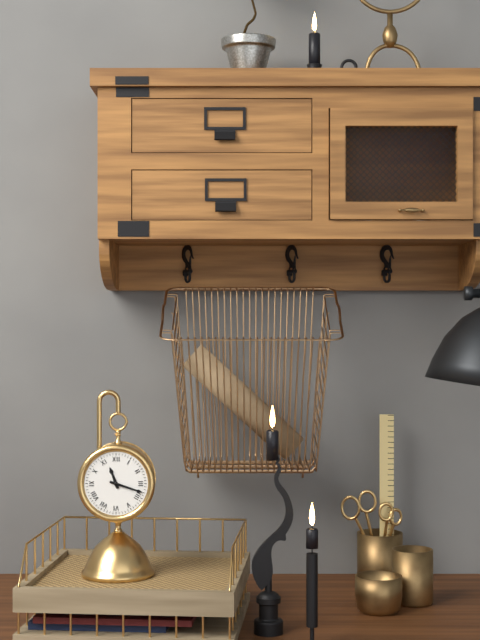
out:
11 h 18 min
